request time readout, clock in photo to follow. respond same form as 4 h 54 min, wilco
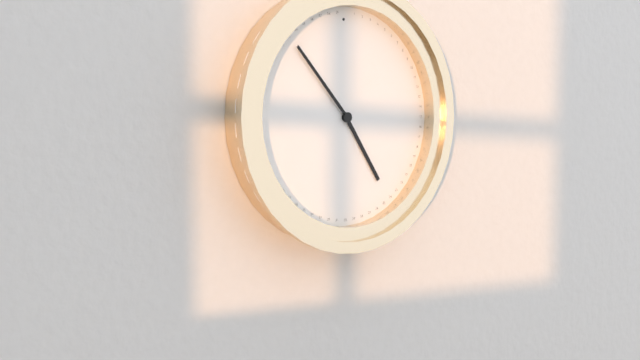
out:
4 h 53 min
